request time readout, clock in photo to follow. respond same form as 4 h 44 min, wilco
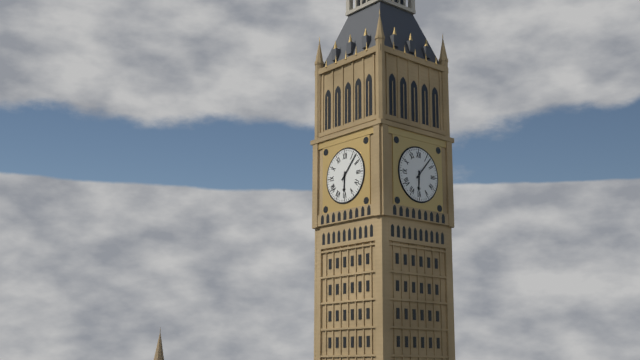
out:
6 h 07 min
